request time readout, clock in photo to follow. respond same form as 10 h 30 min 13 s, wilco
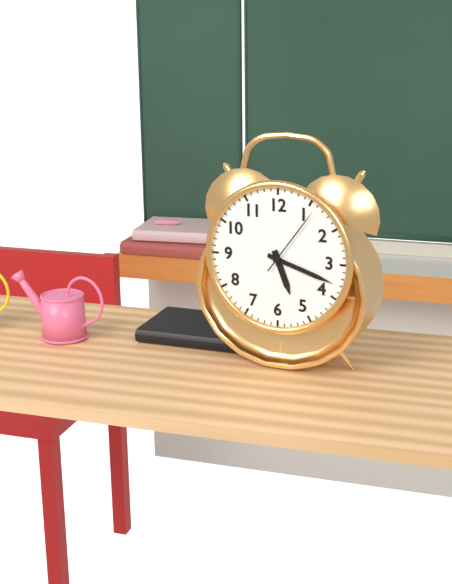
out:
5 h 18 min 06 s
